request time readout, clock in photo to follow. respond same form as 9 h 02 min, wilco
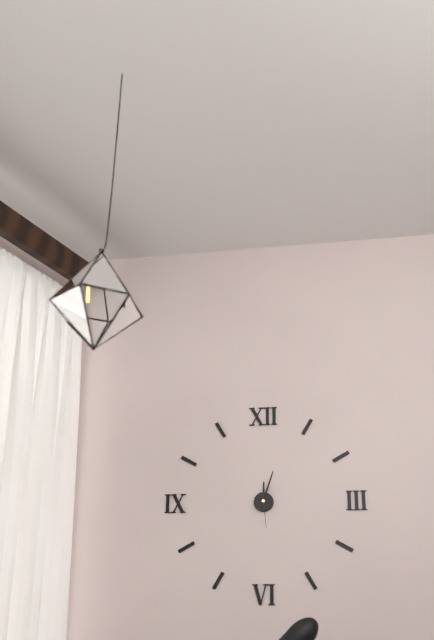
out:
12 h 03 min
